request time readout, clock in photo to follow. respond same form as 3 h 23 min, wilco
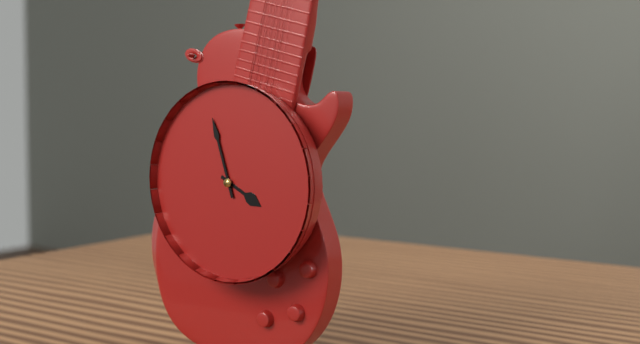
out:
3 h 57 min
